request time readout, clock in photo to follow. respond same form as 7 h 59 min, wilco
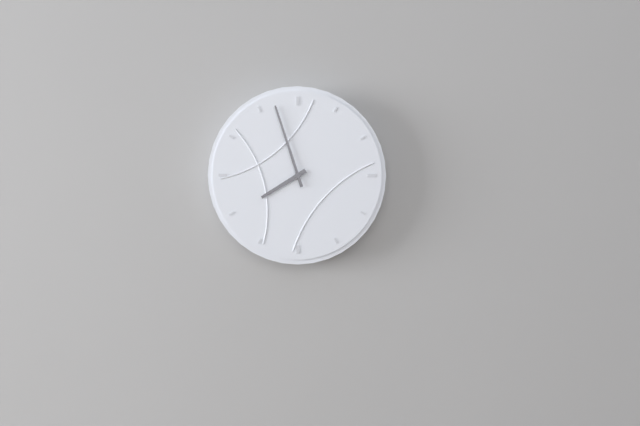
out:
7 h 57 min
